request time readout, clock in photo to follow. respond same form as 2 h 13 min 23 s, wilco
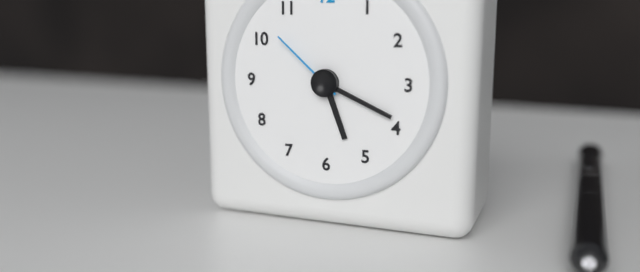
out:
5 h 19 min 52 s
